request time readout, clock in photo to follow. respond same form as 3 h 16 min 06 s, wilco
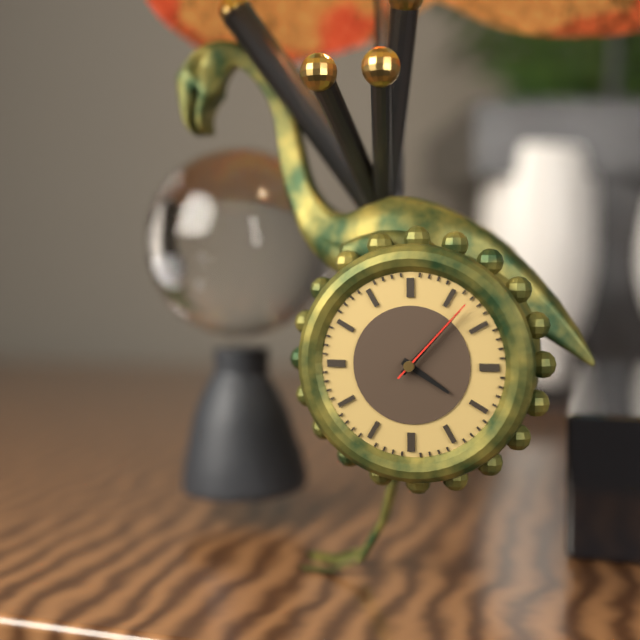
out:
4 h 07 min 07 s
